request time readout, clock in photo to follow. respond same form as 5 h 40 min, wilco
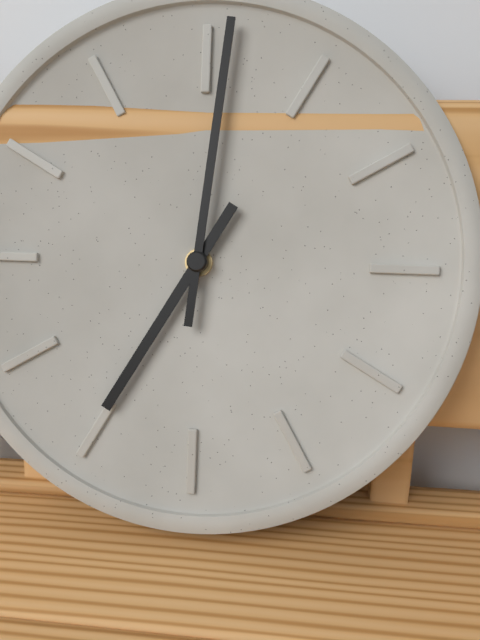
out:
7 h 01 min
